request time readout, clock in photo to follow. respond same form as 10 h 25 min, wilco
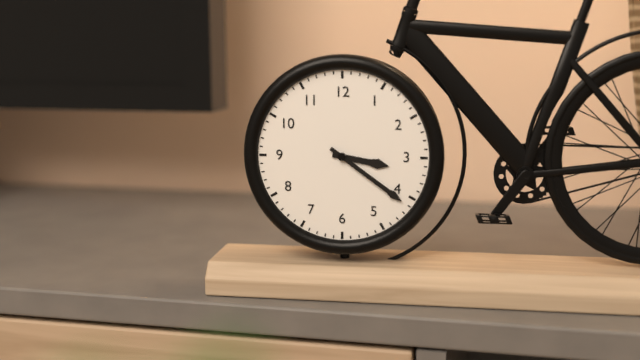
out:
3 h 21 min
